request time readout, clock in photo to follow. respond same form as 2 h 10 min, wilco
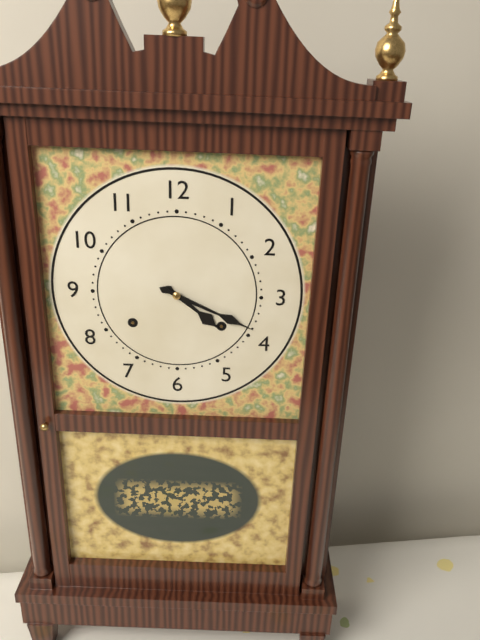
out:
4 h 19 min
